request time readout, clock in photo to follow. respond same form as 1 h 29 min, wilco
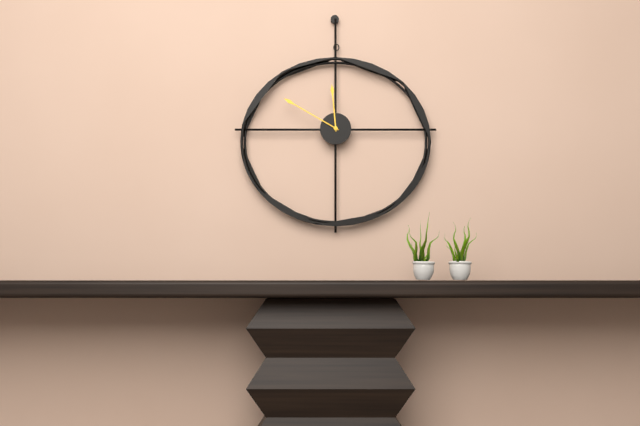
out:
11 h 50 min
